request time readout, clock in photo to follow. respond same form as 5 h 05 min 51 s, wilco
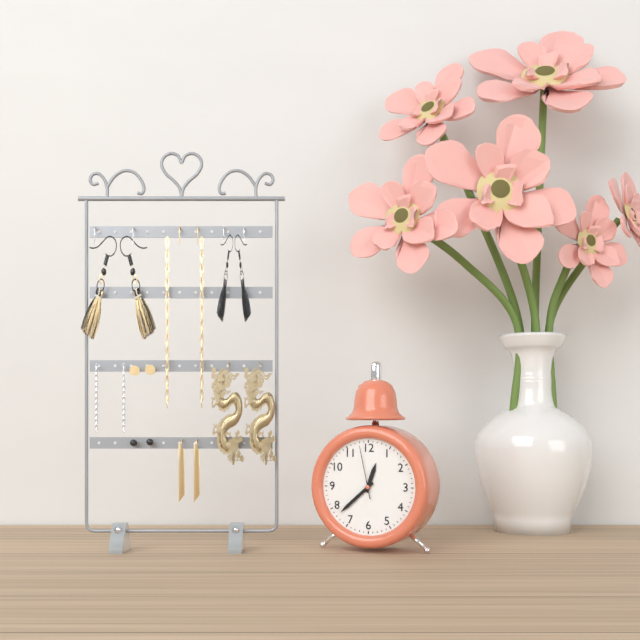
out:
12 h 38 min 58 s
